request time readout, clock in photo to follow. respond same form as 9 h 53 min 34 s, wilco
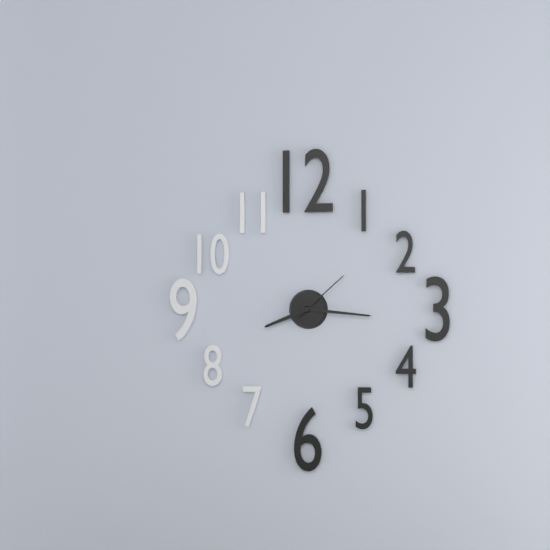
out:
8 h 16 min 08 s
